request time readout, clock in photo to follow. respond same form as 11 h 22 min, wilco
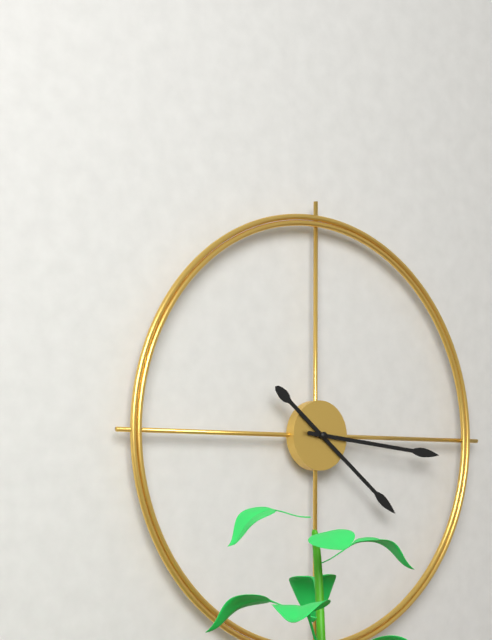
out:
4 h 16 min
